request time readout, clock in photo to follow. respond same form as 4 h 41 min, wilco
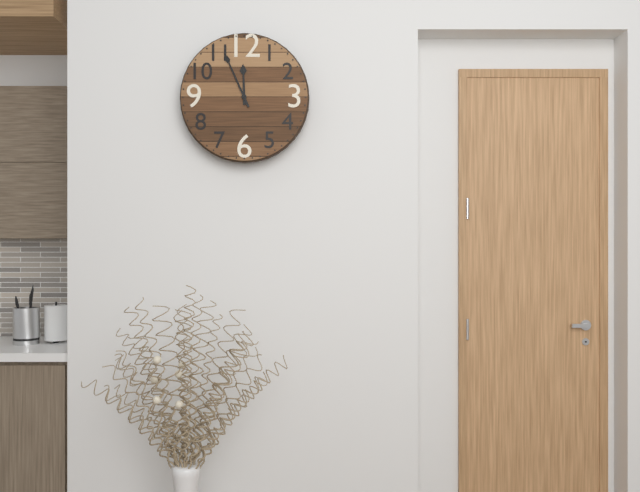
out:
11 h 56 min
